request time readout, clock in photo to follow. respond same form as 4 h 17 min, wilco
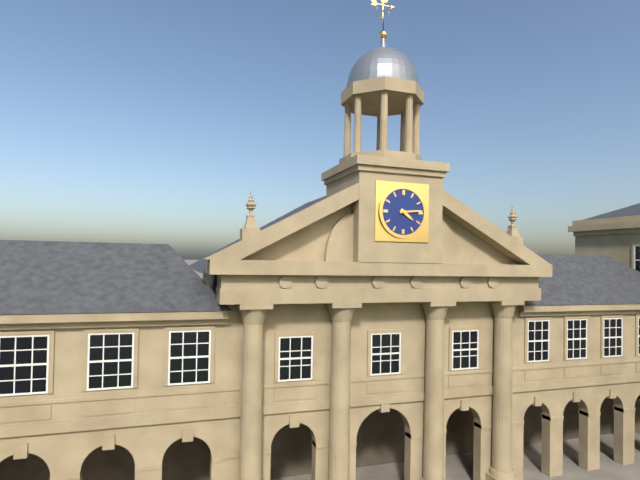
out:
4 h 14 min
